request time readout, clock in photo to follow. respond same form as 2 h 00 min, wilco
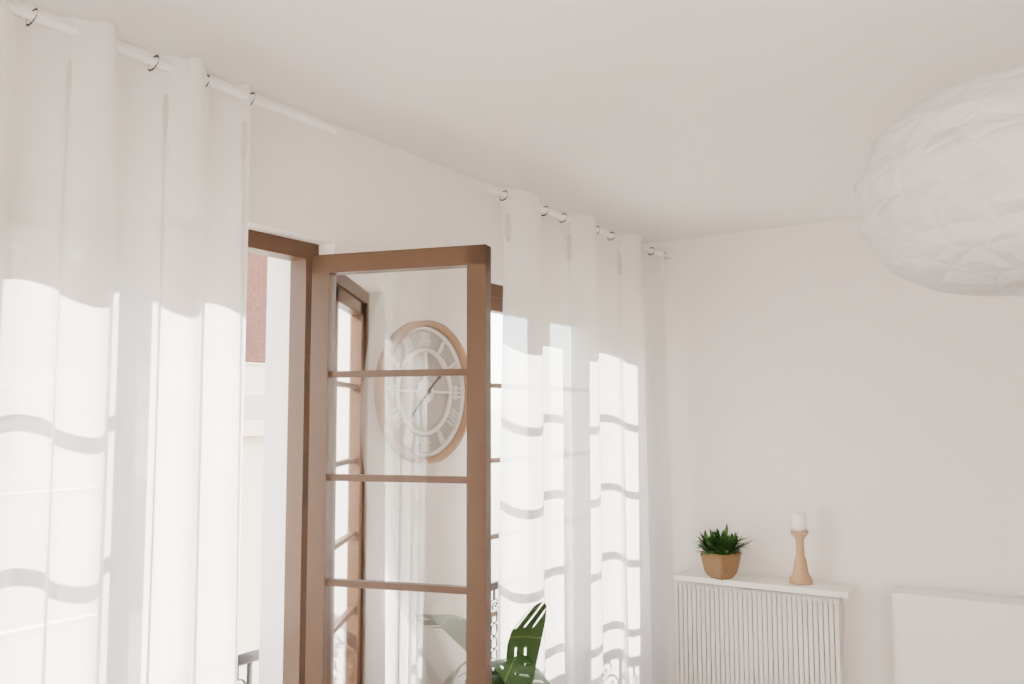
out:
1 h 38 min
